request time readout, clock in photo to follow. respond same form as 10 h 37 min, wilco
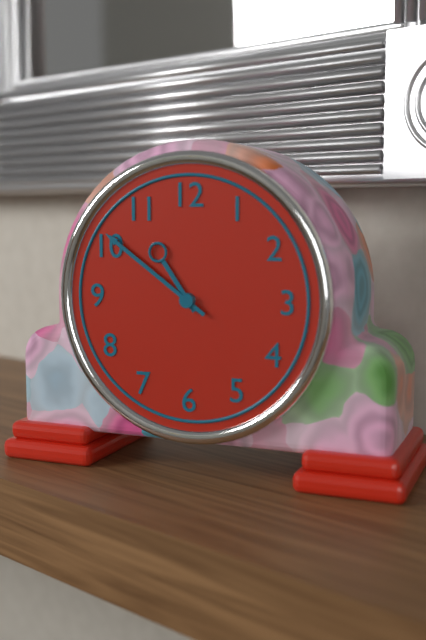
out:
10 h 51 min
